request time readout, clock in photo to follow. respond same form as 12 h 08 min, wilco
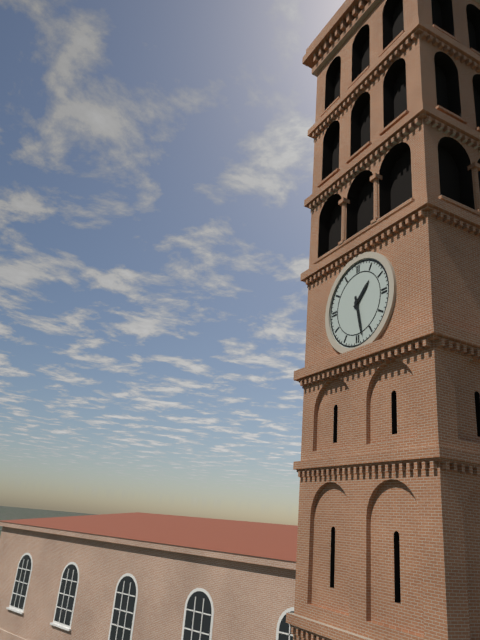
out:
1 h 28 min
